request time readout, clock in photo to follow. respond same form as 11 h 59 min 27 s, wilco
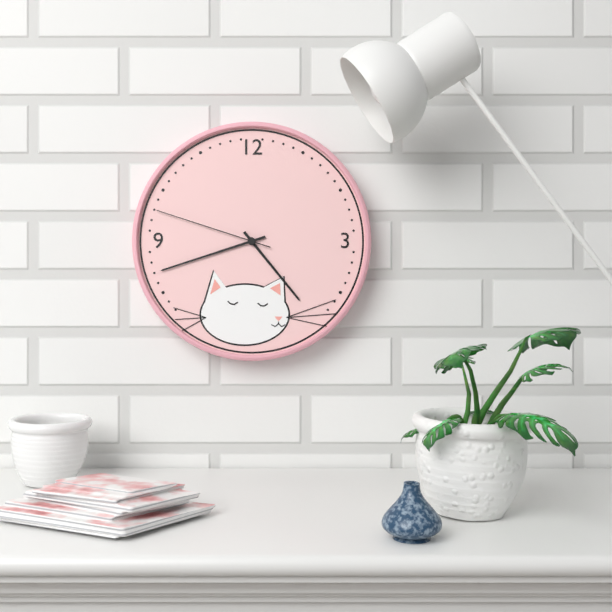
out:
4 h 42 min 48 s
